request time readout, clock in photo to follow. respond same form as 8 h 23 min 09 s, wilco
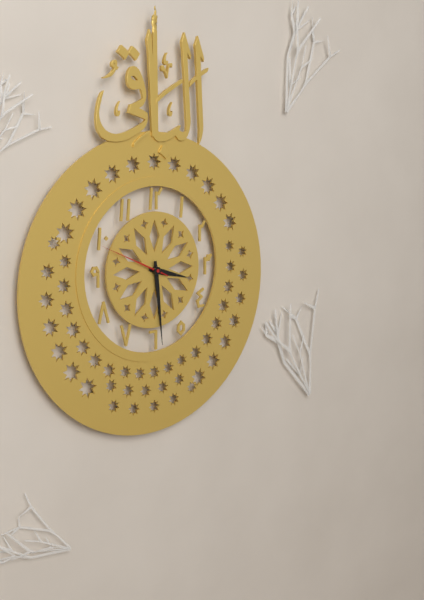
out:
3 h 29 min 49 s
